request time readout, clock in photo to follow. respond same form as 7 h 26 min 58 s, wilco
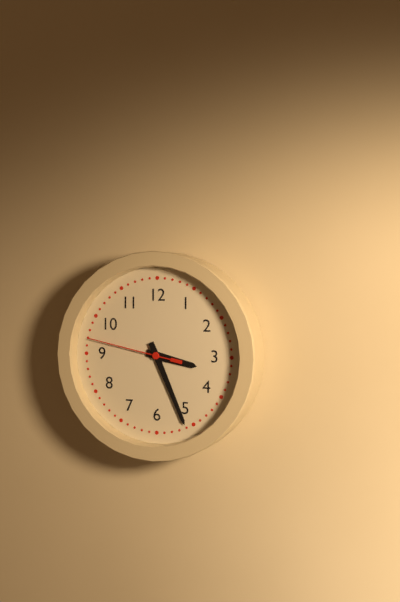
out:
3 h 26 min 47 s
